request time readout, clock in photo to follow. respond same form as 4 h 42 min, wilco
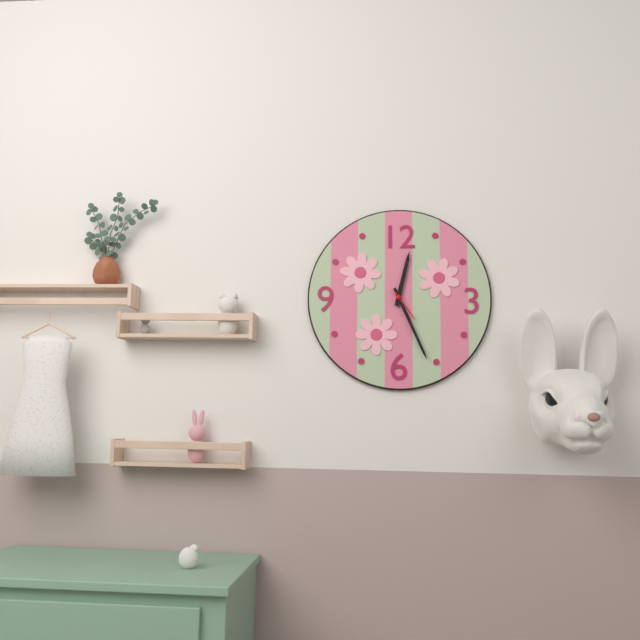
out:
12 h 26 min
